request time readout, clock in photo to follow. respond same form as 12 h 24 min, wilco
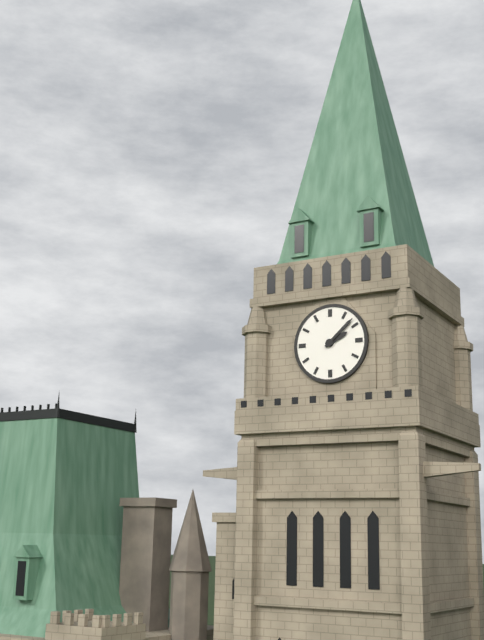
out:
2 h 08 min
